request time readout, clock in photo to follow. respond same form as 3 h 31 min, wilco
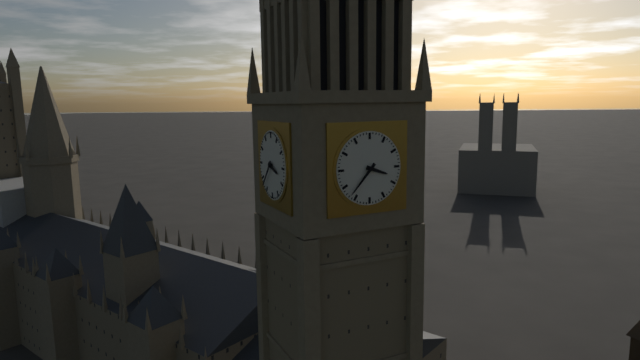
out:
3 h 37 min
